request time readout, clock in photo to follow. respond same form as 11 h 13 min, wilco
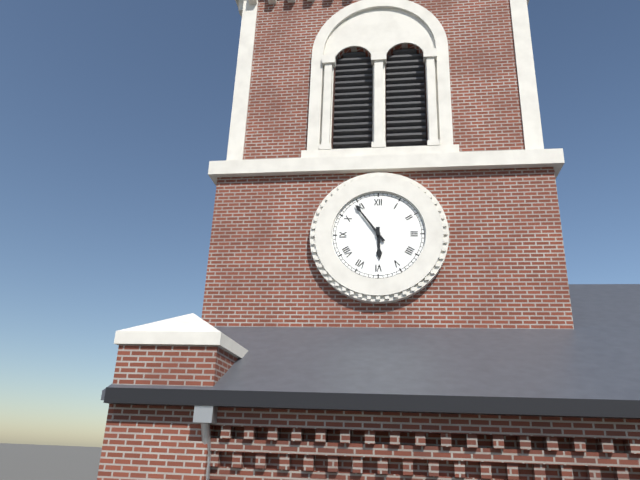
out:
5 h 54 min
